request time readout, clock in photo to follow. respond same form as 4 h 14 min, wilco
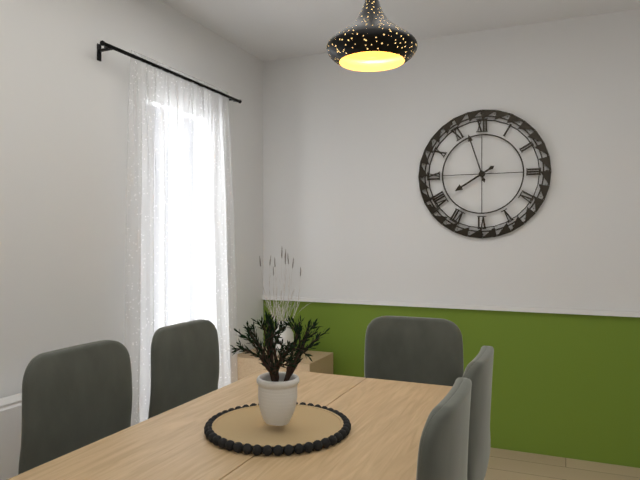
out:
7 h 57 min
